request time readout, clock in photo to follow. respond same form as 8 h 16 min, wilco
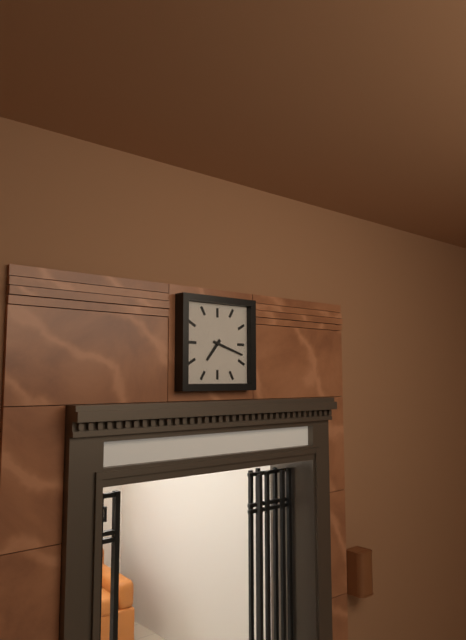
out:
7 h 18 min
